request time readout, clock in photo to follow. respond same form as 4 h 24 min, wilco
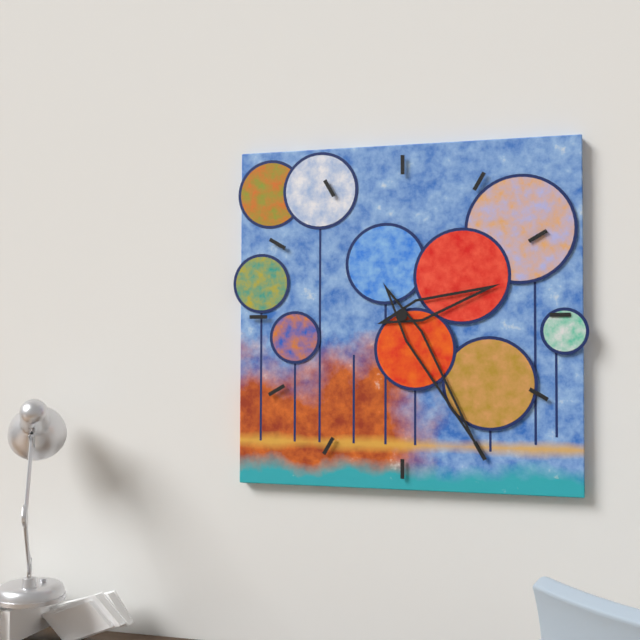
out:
2 h 25 min
